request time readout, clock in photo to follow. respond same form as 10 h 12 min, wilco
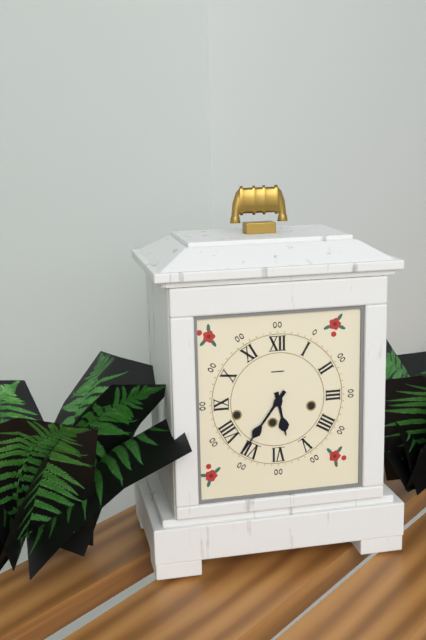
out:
5 h 36 min
